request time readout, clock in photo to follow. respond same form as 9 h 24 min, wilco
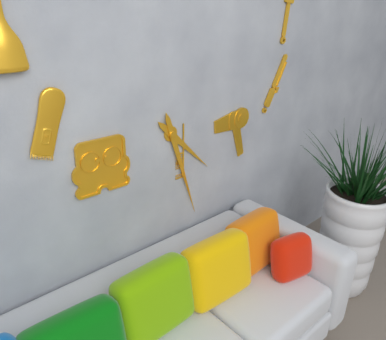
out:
4 h 27 min
